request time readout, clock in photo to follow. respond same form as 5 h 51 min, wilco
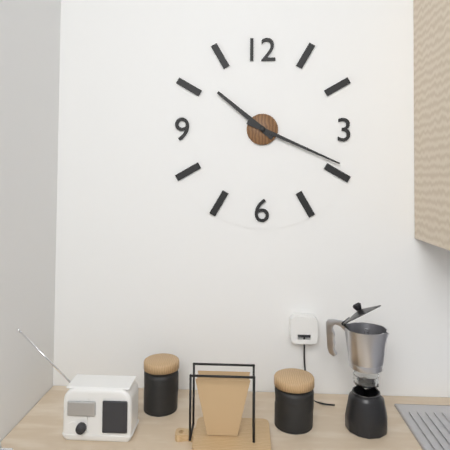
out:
10 h 19 min
